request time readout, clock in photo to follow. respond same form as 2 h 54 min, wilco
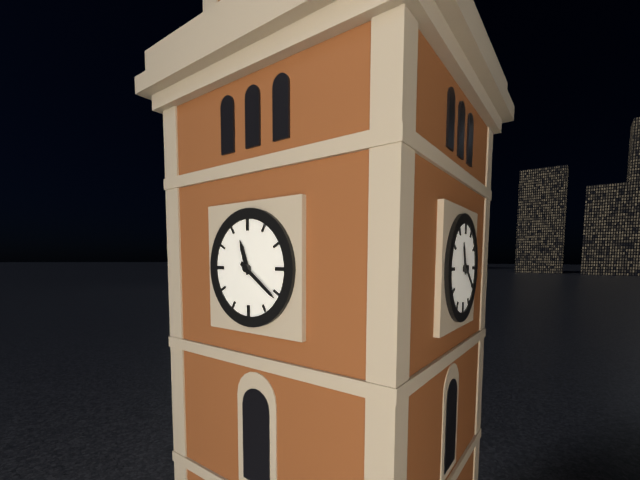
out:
11 h 21 min
